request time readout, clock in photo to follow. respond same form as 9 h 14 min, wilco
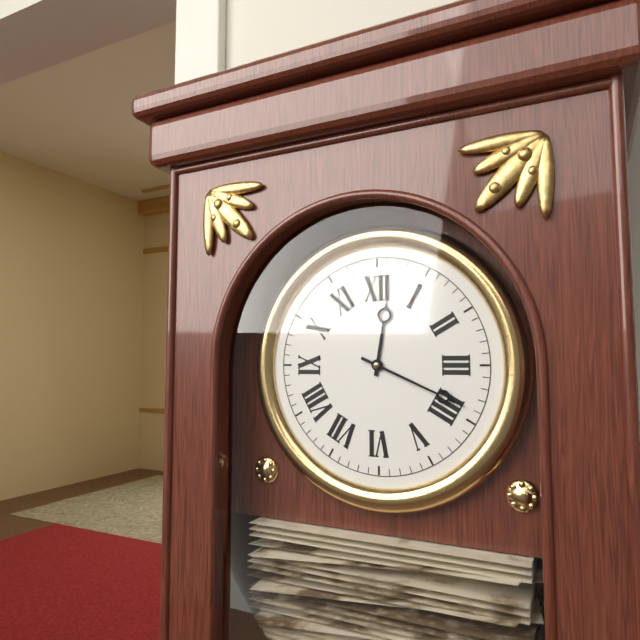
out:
12 h 19 min
